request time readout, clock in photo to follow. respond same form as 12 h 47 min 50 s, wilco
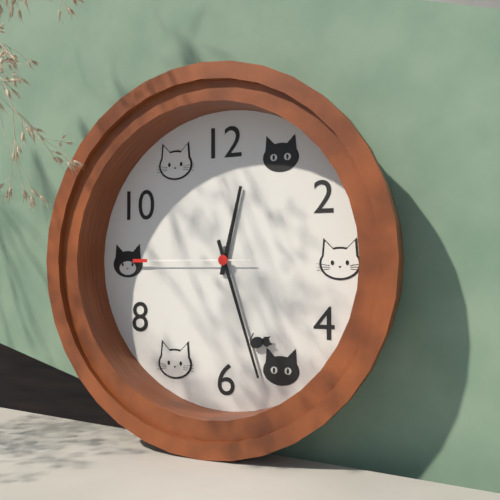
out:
12 h 27 min 45 s
